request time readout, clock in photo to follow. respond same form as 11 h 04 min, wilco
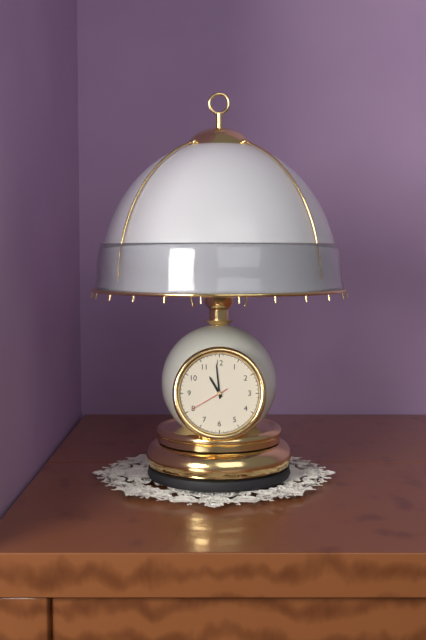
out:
10 h 59 min
